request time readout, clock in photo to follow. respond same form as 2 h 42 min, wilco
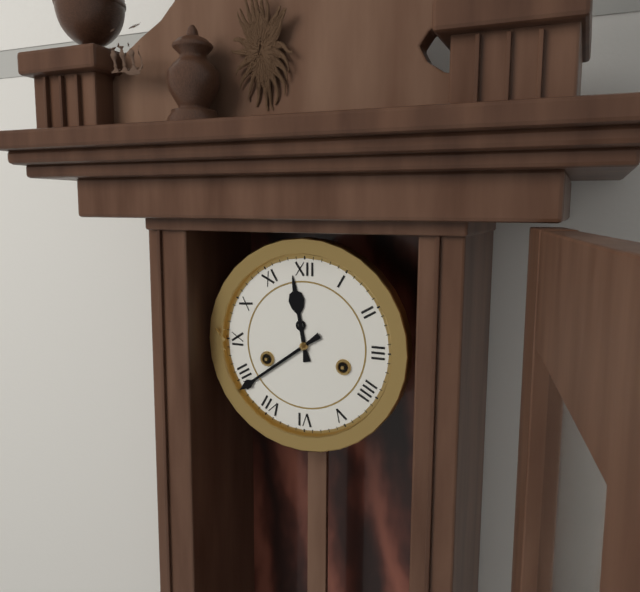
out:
11 h 39 min
